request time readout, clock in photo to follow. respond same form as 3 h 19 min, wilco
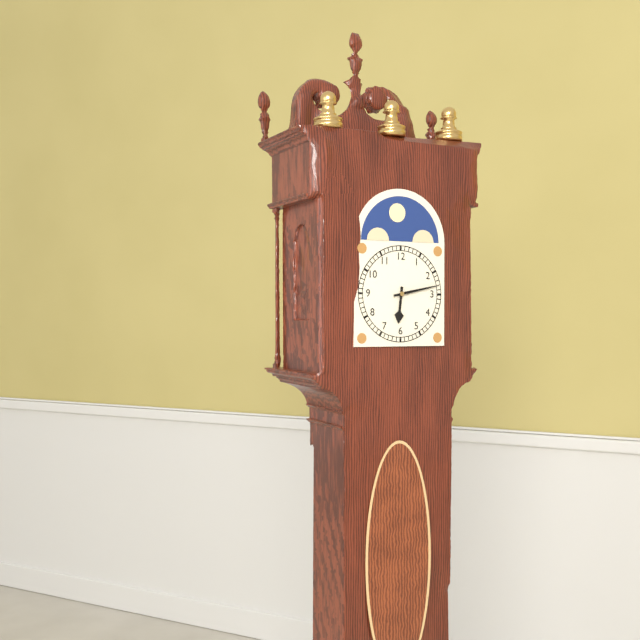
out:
6 h 13 min
